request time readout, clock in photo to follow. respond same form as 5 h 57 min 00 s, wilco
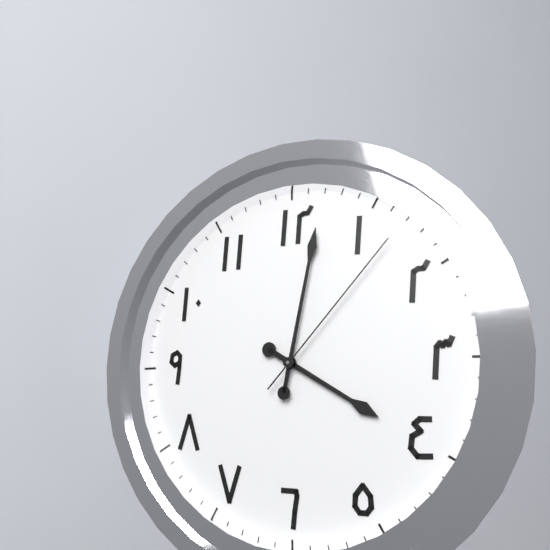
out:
4 h 02 min 07 s
